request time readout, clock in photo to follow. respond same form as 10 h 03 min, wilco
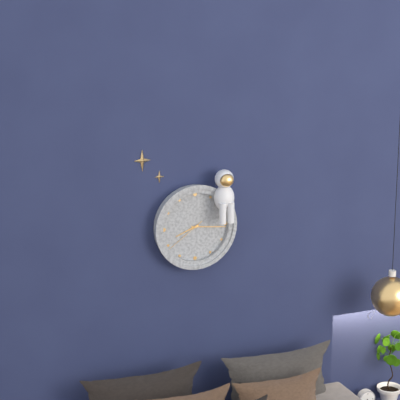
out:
8 h 16 min
